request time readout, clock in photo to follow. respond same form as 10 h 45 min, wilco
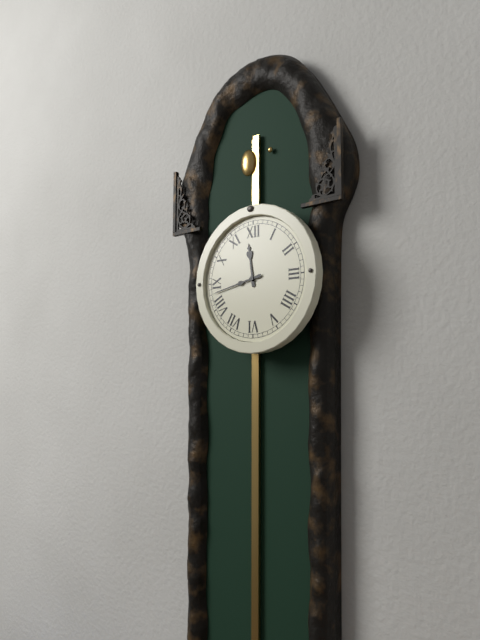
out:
11 h 43 min
